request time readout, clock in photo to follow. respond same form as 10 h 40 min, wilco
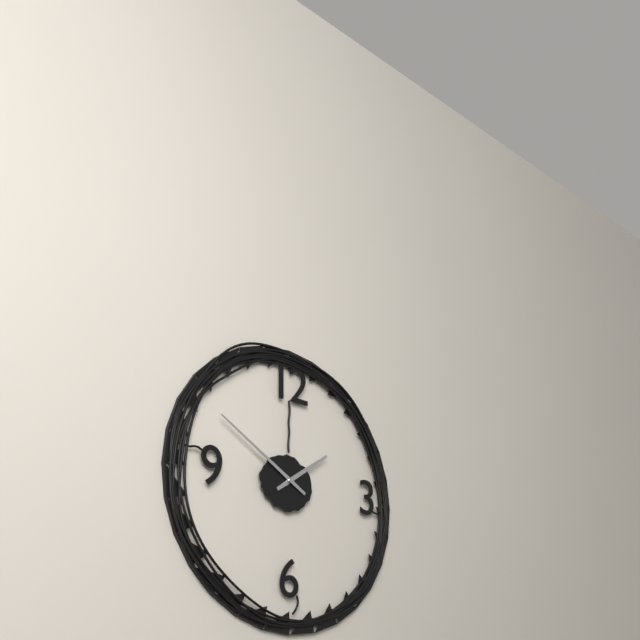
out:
1 h 50 min
